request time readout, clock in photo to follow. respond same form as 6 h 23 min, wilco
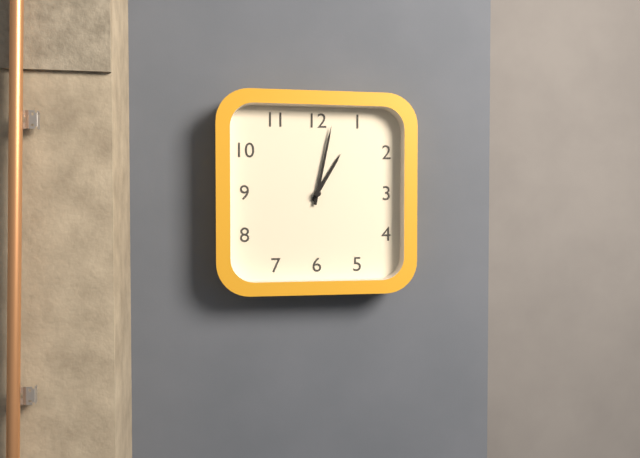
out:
1 h 02 min
